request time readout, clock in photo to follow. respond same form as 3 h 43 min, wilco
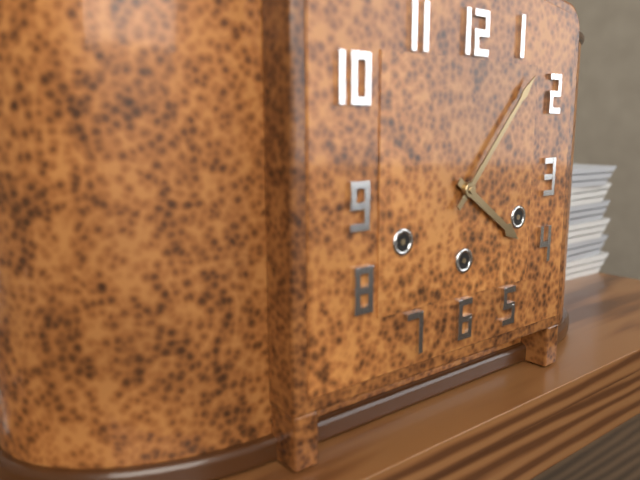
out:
4 h 07 min
